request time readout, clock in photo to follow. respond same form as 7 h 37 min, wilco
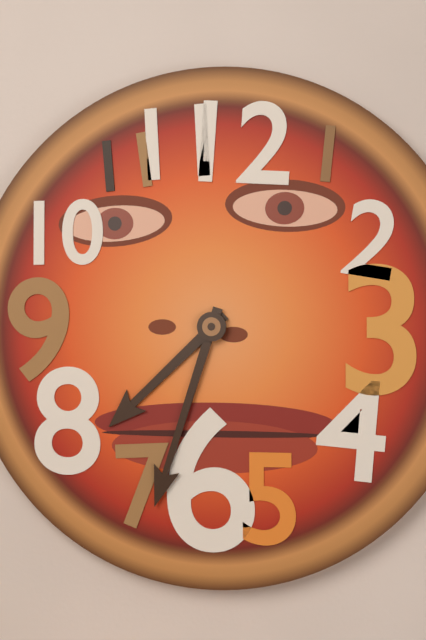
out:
7 h 33 min
